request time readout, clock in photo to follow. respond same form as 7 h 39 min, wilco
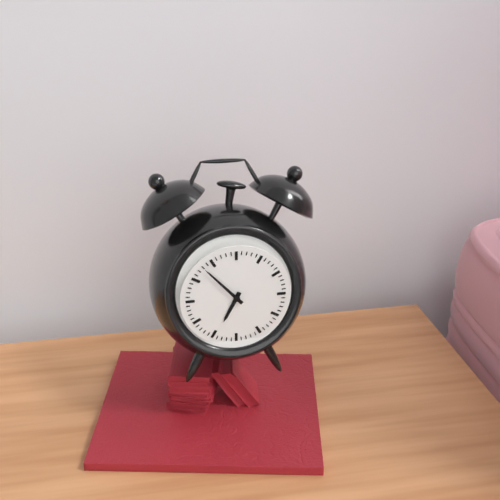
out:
6 h 53 min
